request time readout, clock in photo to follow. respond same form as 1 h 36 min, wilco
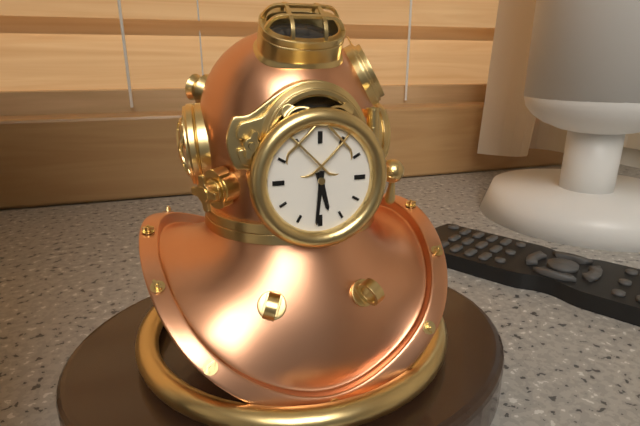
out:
5 h 31 min
